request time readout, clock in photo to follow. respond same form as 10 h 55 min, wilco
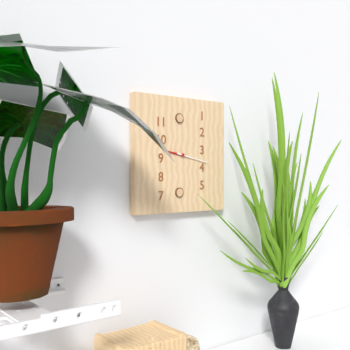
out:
9 h 17 min
